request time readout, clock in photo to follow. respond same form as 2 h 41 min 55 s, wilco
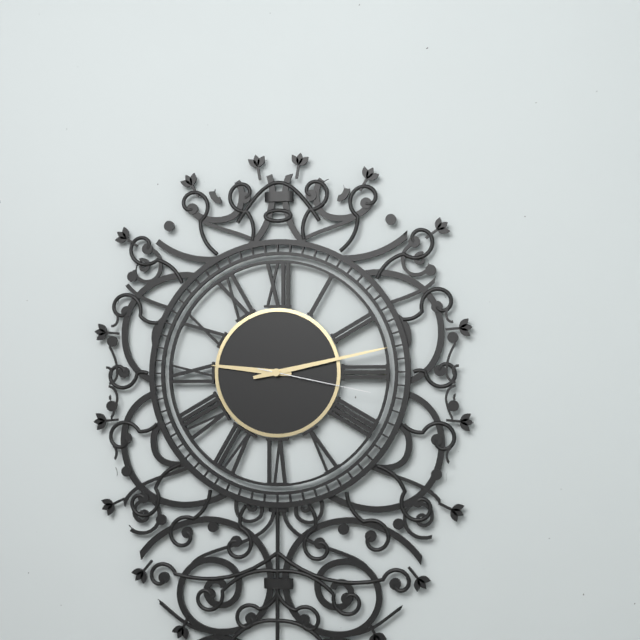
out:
9 h 13 min 17 s
